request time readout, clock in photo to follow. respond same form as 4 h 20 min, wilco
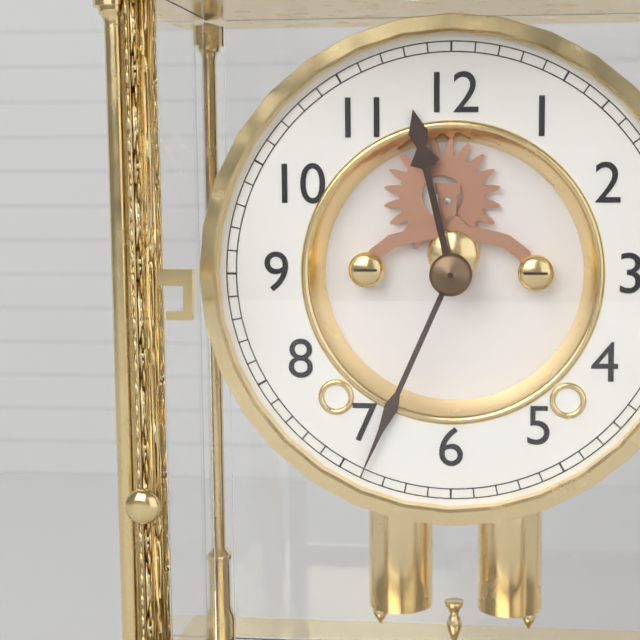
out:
11 h 34 min
